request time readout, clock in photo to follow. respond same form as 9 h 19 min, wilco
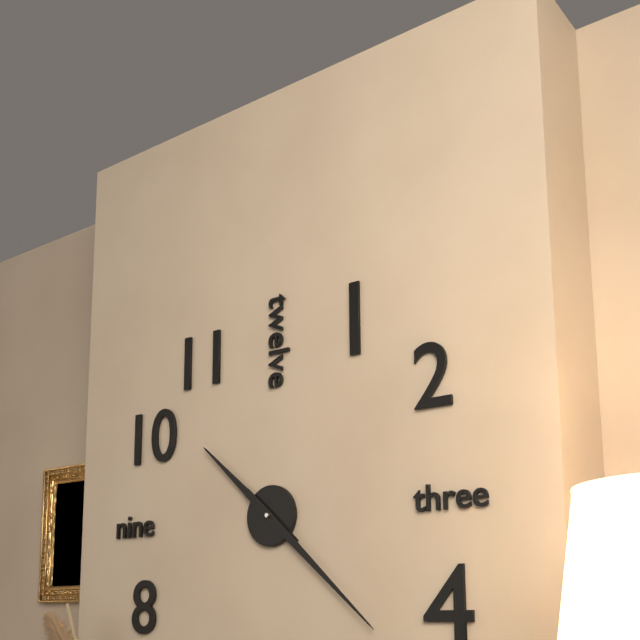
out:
10 h 22 min
